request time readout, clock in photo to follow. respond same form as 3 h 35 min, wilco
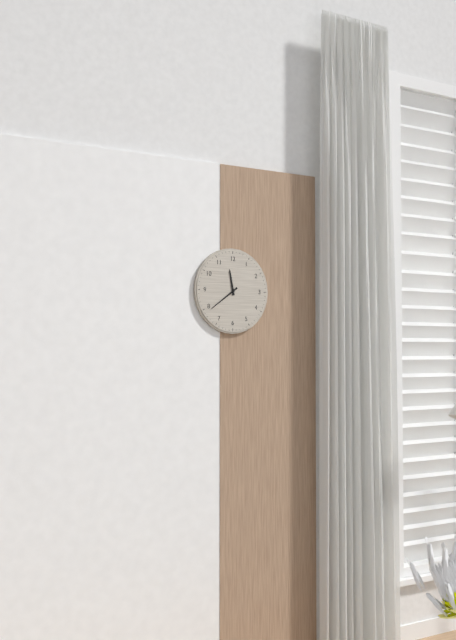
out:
11 h 39 min
